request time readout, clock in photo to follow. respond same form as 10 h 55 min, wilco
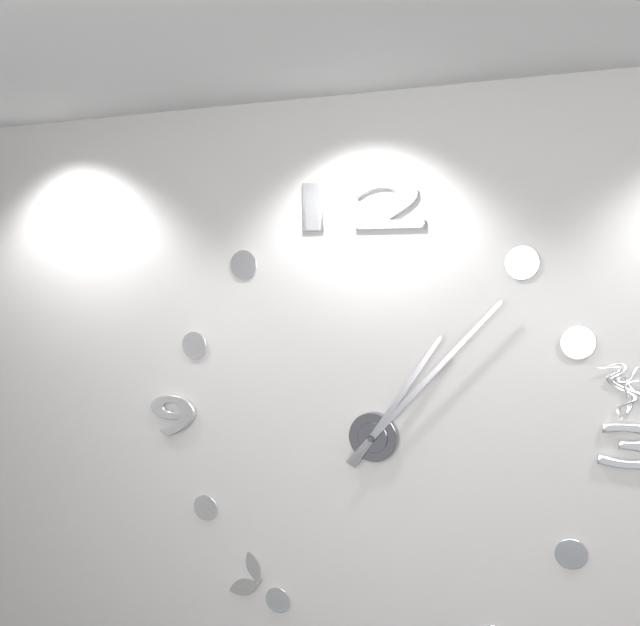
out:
1 h 07 min
